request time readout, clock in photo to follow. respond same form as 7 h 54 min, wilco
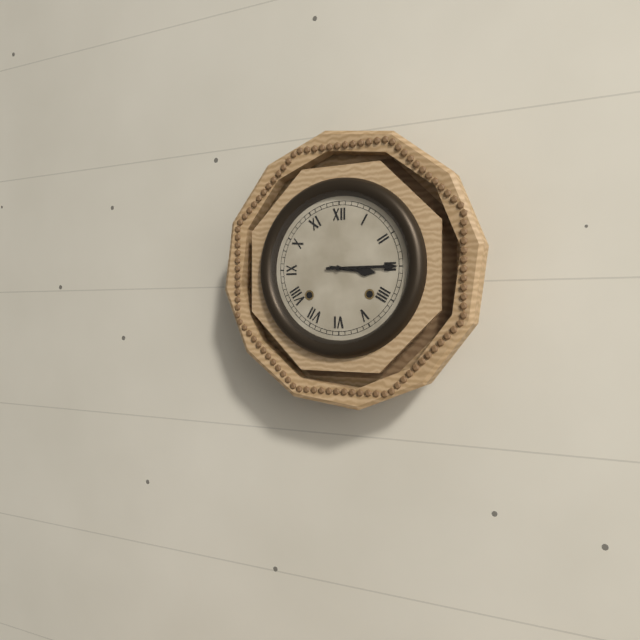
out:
3 h 15 min
